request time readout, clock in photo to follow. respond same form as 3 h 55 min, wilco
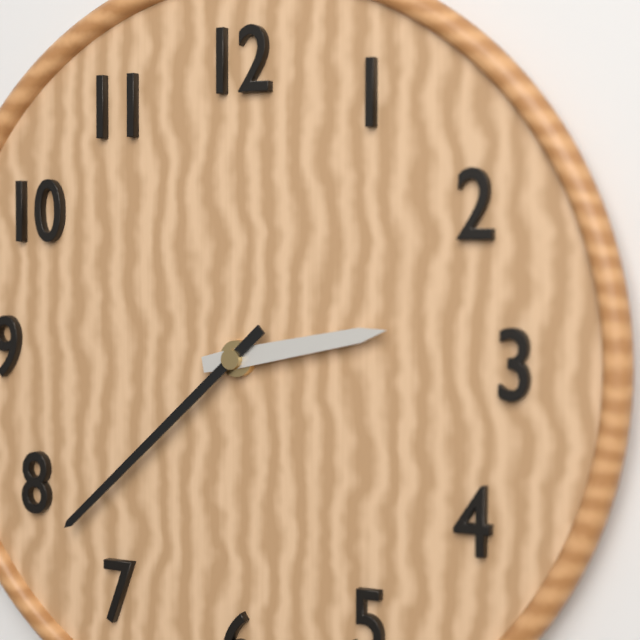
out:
2 h 38 min
